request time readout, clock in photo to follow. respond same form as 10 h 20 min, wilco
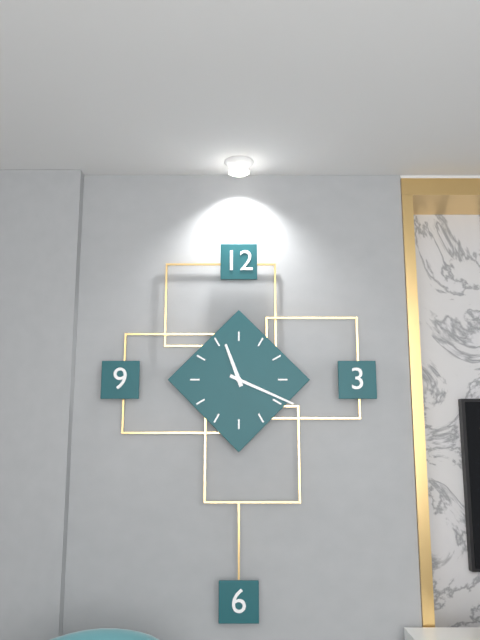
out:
11 h 19 min
